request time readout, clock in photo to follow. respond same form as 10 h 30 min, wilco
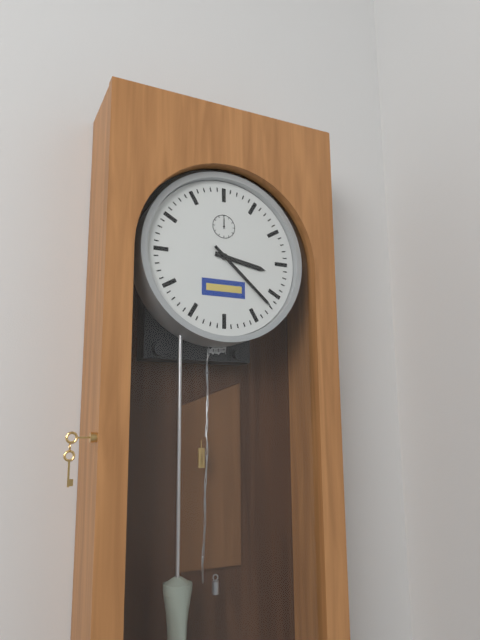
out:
3 h 22 min
